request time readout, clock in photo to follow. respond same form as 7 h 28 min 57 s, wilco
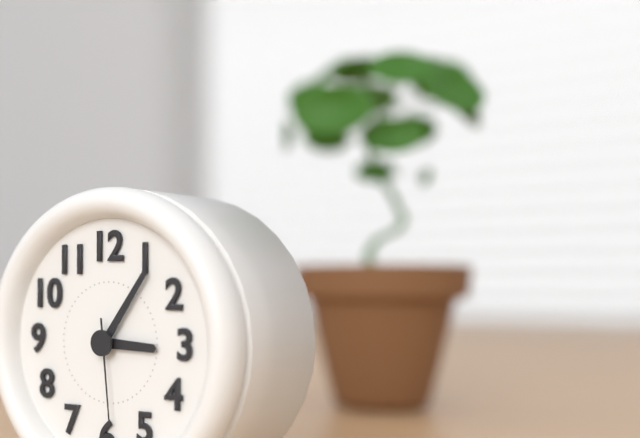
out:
3 h 06 min 29 s
